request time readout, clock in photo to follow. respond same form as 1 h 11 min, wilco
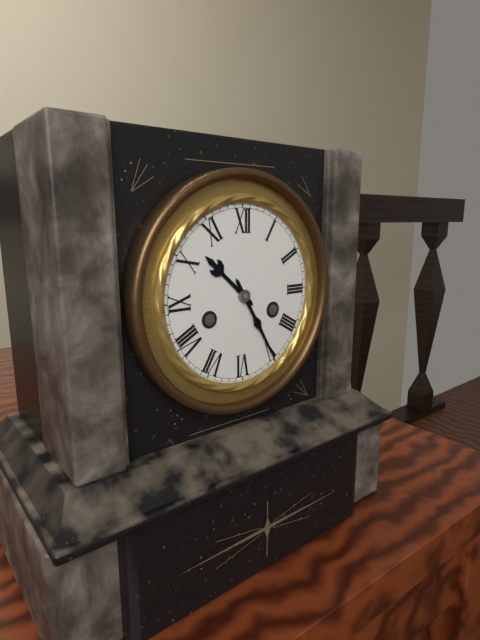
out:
10 h 25 min
